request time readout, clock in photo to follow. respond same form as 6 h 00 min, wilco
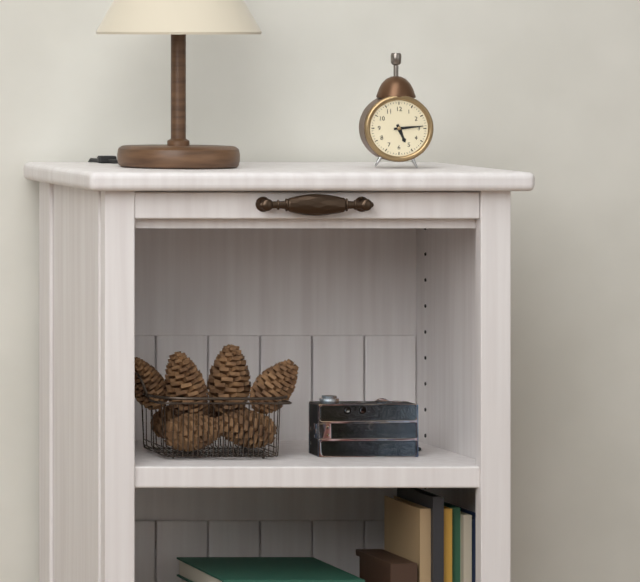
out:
5 h 14 min
